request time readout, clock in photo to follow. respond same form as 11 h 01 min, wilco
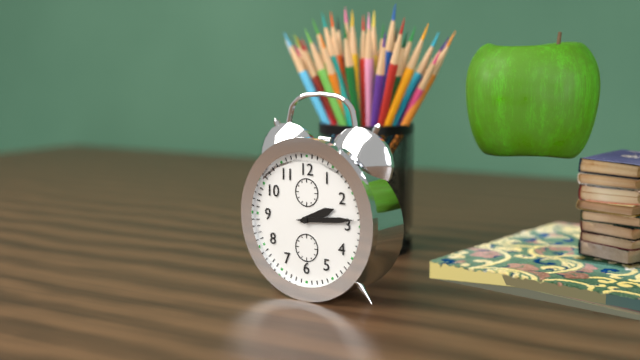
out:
2 h 14 min
